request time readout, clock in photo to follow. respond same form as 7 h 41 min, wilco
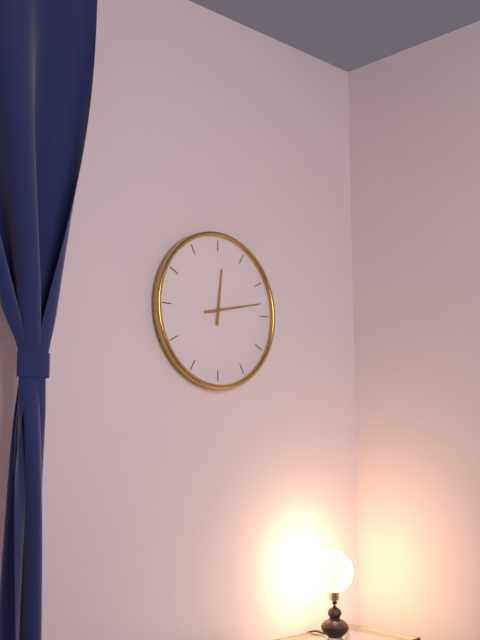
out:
12 h 13 min
